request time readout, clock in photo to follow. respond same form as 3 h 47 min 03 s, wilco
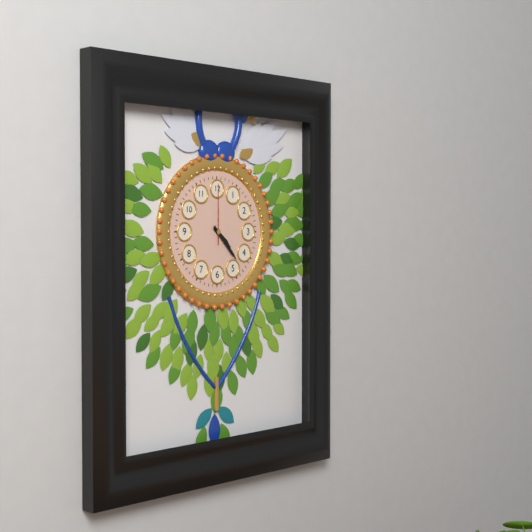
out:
4 h 23 min 00 s
